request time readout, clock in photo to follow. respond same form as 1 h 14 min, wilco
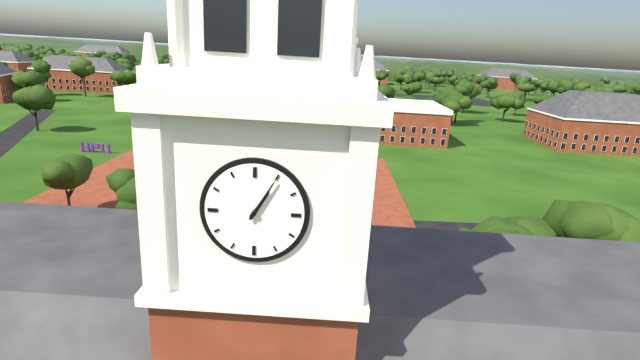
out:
1 h 05 min
